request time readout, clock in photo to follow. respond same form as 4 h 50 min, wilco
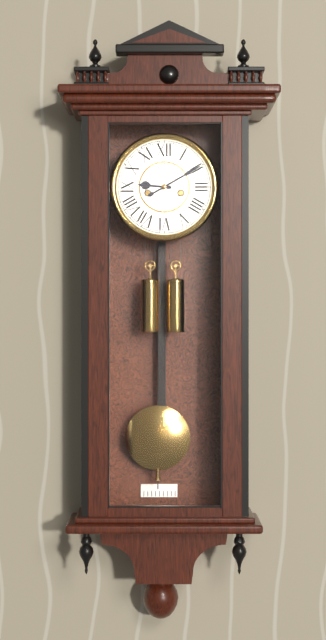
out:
9 h 10 min
